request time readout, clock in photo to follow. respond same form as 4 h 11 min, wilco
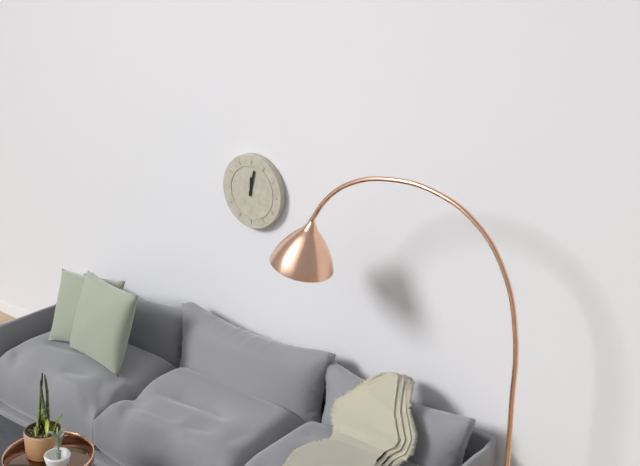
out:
12 h 02 min
